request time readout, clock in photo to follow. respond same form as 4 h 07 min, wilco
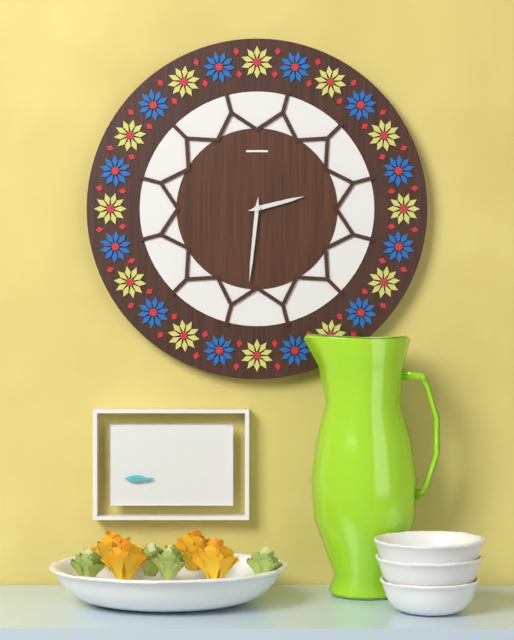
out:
2 h 31 min
